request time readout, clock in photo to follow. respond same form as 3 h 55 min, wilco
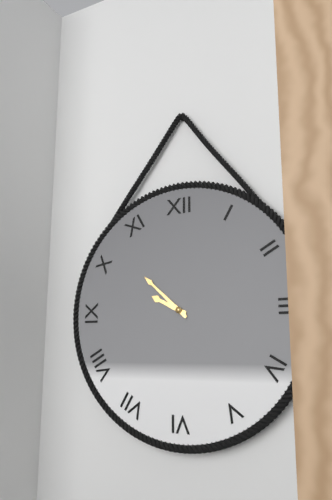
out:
9 h 52 min
